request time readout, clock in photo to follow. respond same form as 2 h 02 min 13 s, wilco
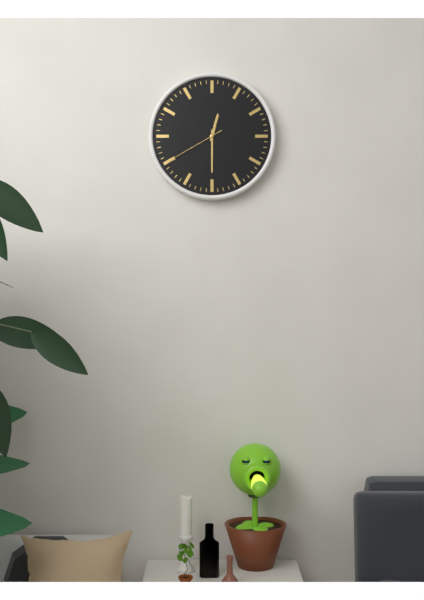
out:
12 h 30 min 40 s
